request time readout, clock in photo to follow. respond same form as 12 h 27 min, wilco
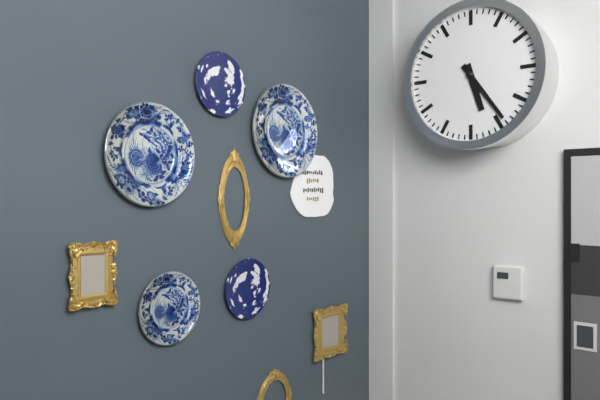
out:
5 h 24 min
